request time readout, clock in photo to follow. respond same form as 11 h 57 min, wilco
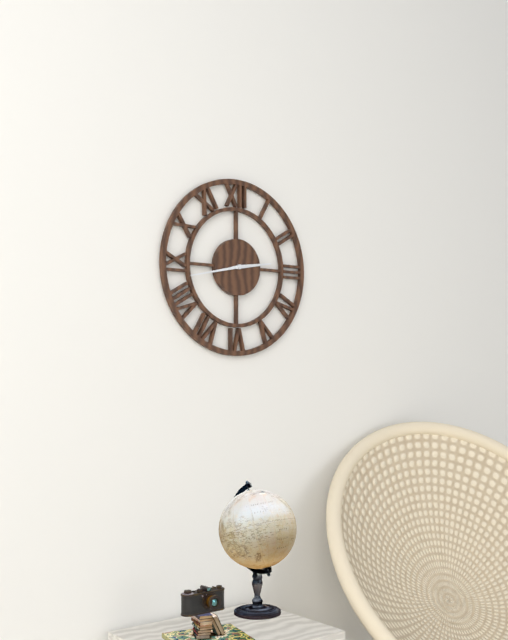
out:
2 h 43 min
